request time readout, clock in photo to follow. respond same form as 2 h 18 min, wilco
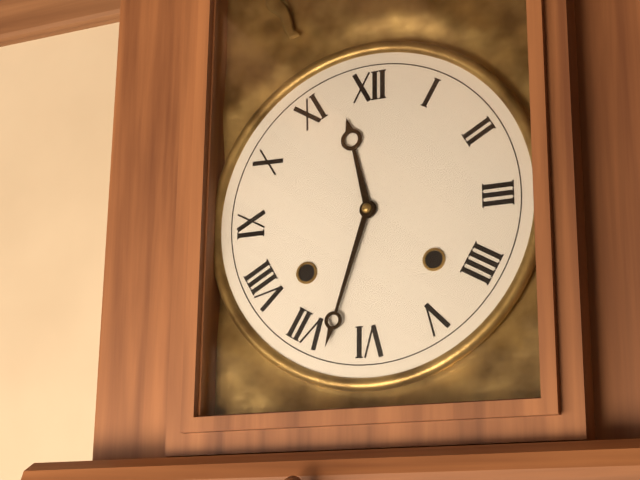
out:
11 h 33 min
